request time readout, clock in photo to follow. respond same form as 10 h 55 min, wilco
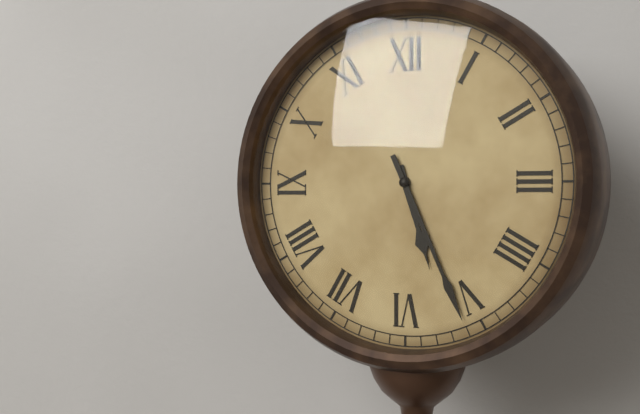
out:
5 h 26 min
